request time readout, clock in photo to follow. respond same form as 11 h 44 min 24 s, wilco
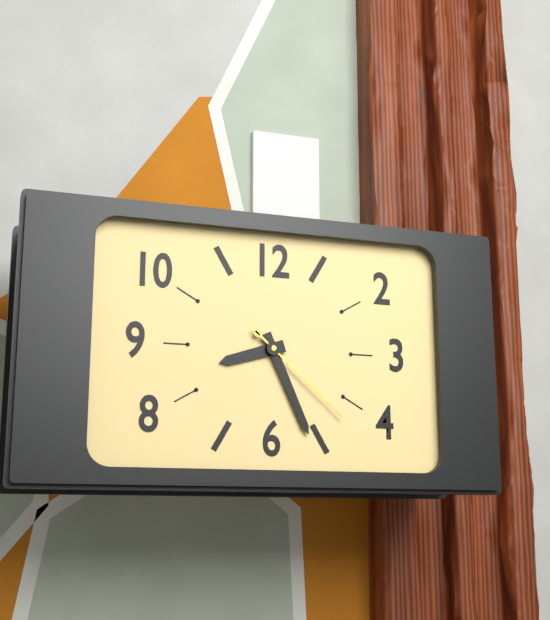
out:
8 h 26 min 22 s
